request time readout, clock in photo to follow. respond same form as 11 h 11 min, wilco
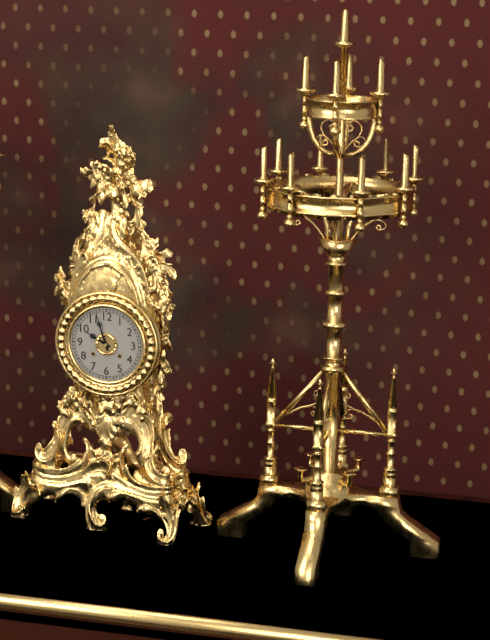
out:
9 h 57 min
